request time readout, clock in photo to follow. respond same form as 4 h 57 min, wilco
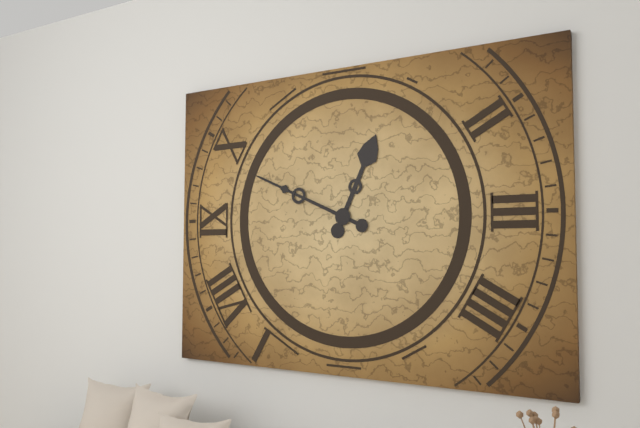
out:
12 h 49 min
